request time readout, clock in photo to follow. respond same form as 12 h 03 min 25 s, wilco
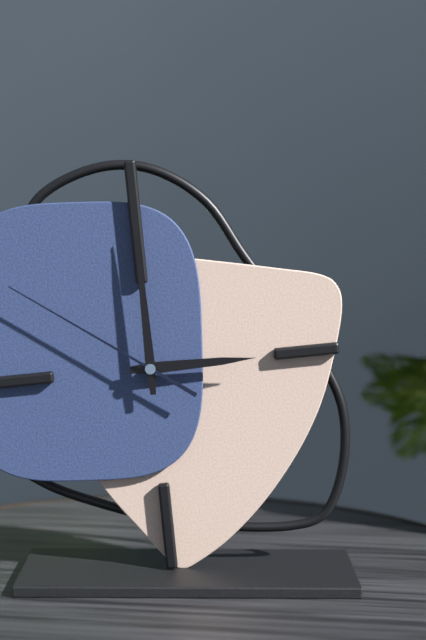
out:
3 h 00 min 51 s
